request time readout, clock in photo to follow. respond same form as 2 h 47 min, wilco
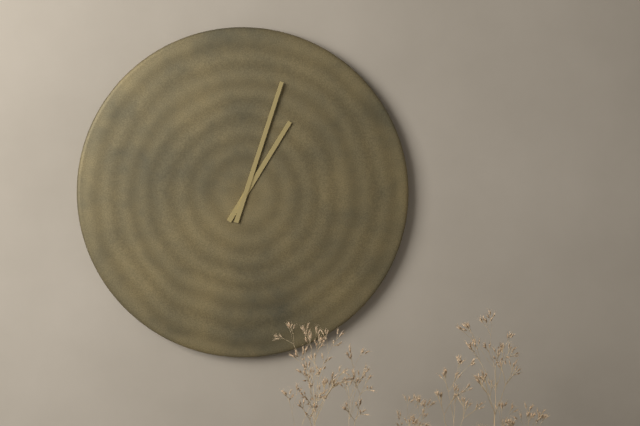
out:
1 h 03 min
